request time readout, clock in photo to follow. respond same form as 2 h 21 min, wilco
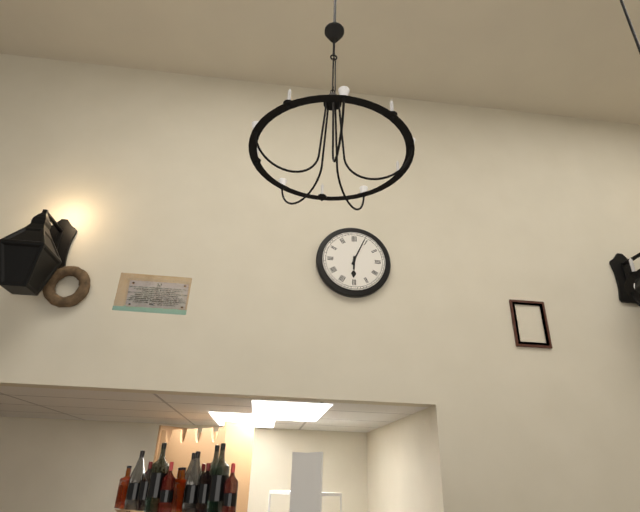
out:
6 h 04 min
